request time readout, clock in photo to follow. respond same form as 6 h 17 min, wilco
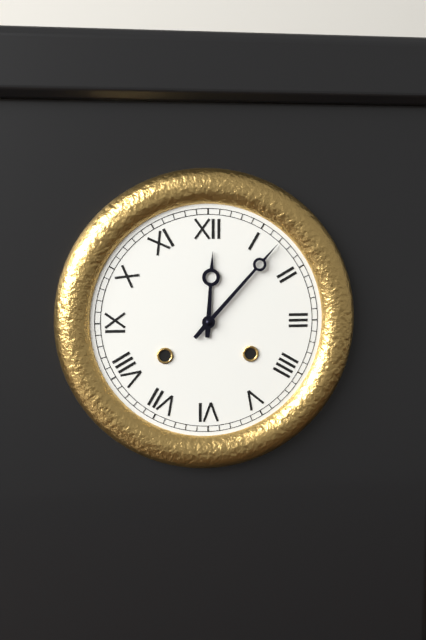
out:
12 h 07 min
